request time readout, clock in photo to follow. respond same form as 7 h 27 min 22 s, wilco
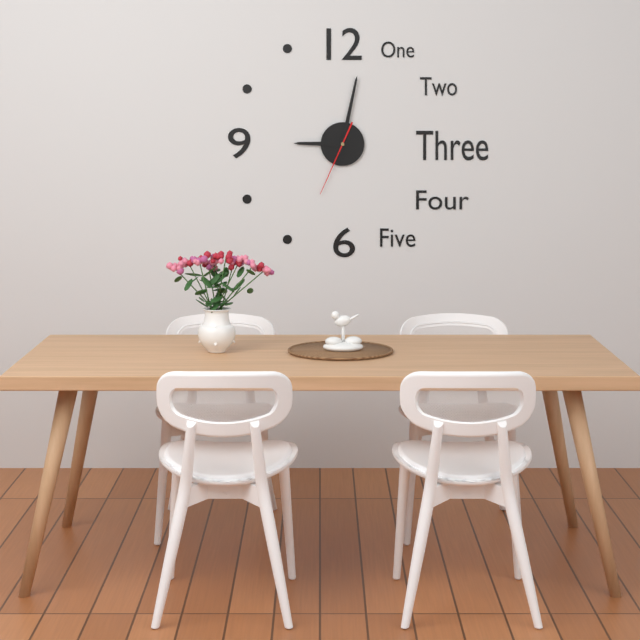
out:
9 h 02 min 34 s
